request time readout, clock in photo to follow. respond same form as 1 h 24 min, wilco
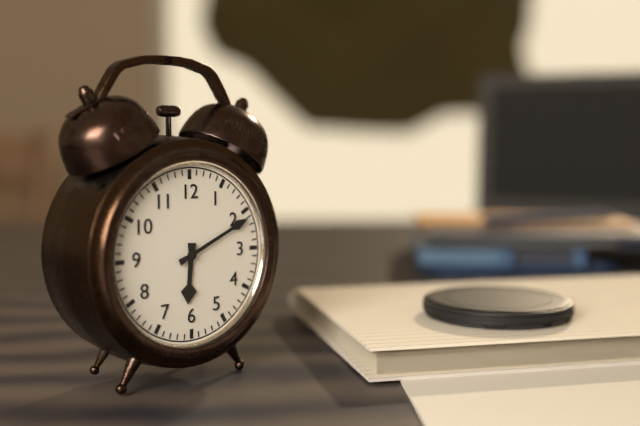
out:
6 h 11 min
